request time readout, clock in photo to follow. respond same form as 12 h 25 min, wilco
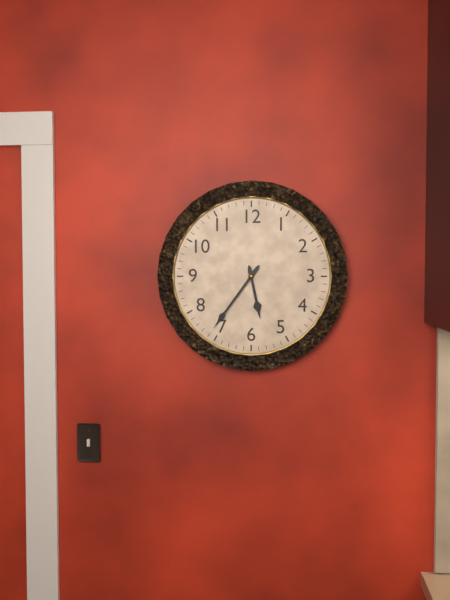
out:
5 h 36 min
